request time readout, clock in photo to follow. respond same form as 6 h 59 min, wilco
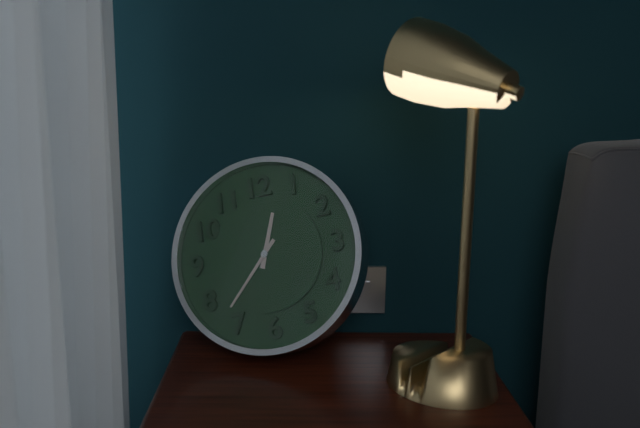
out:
12 h 37 min
